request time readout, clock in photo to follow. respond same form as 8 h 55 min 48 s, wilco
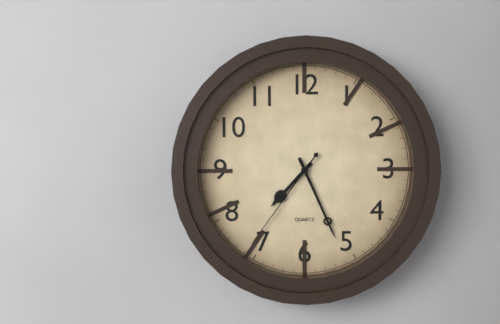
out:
7 h 26 min 36 s
